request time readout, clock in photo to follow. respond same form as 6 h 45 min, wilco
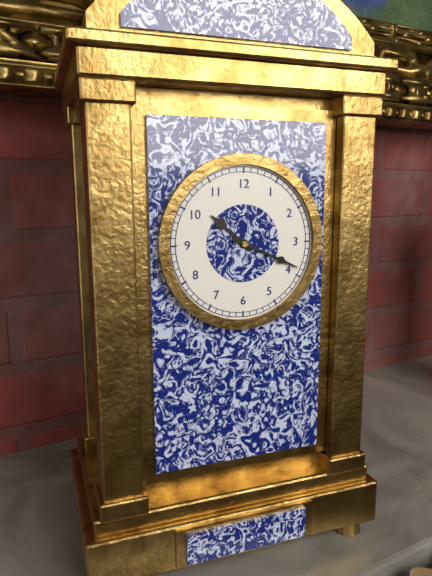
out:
10 h 19 min
